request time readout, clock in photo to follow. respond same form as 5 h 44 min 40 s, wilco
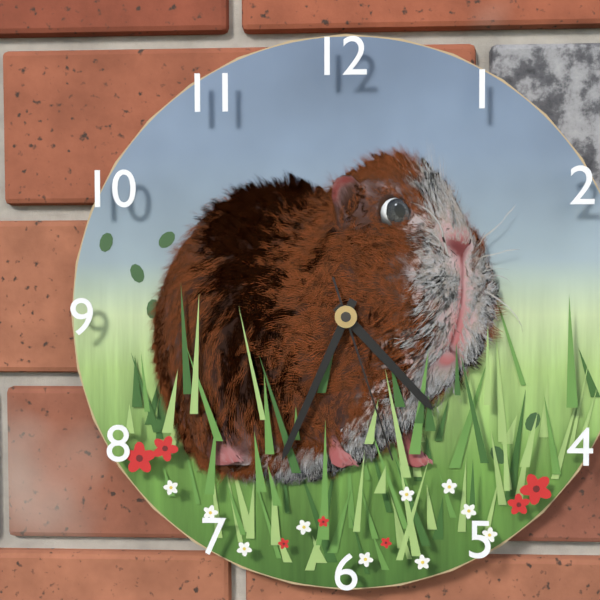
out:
4 h 34 min 27 s
